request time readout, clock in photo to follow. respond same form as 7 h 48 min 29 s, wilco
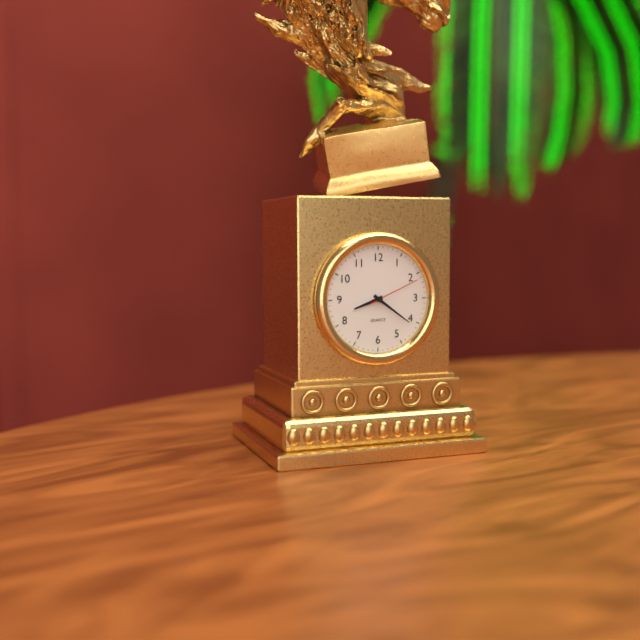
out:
8 h 21 min 11 s
